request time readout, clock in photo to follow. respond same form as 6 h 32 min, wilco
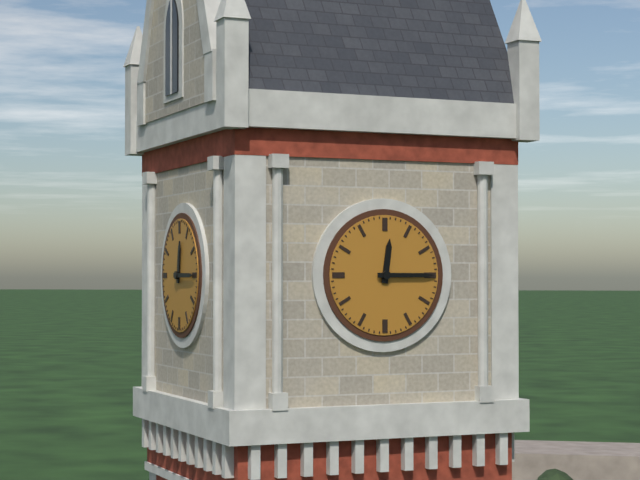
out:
12 h 15 min
